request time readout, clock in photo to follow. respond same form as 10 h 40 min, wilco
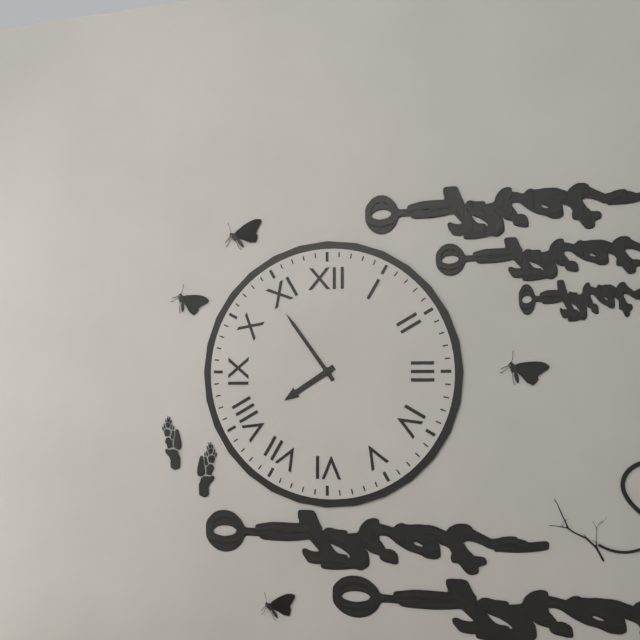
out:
7 h 54 min
